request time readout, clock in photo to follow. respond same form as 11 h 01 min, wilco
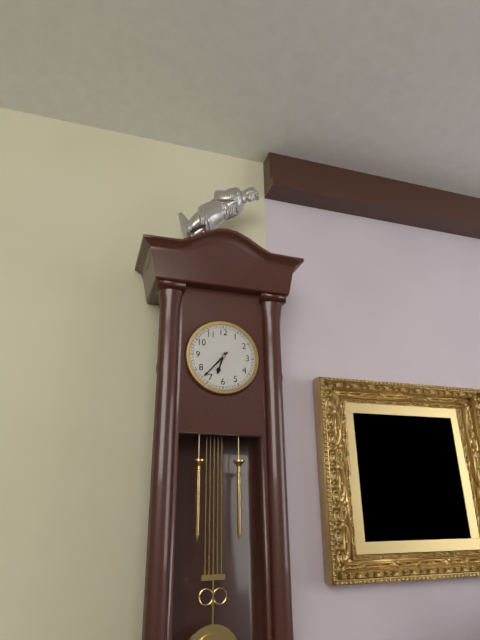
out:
6 h 37 min
